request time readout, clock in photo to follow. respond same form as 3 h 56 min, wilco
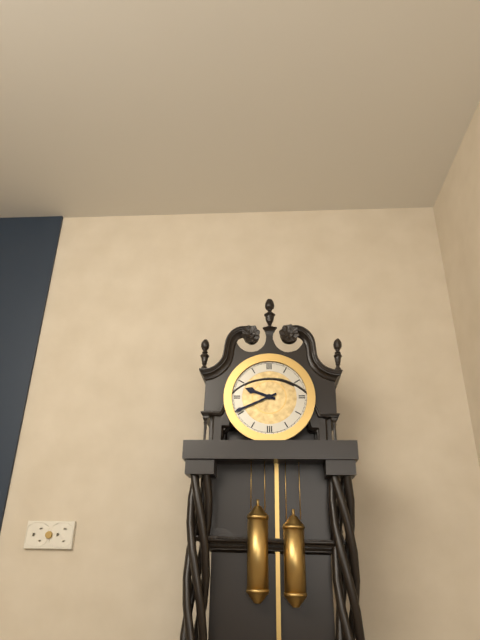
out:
9 h 41 min
